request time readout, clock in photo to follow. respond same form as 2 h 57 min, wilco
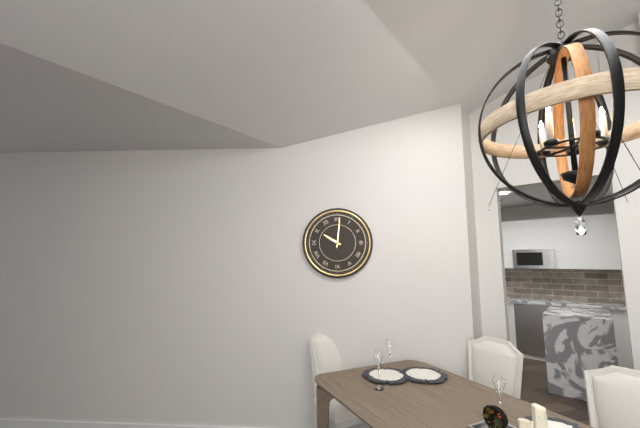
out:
10 h 01 min
